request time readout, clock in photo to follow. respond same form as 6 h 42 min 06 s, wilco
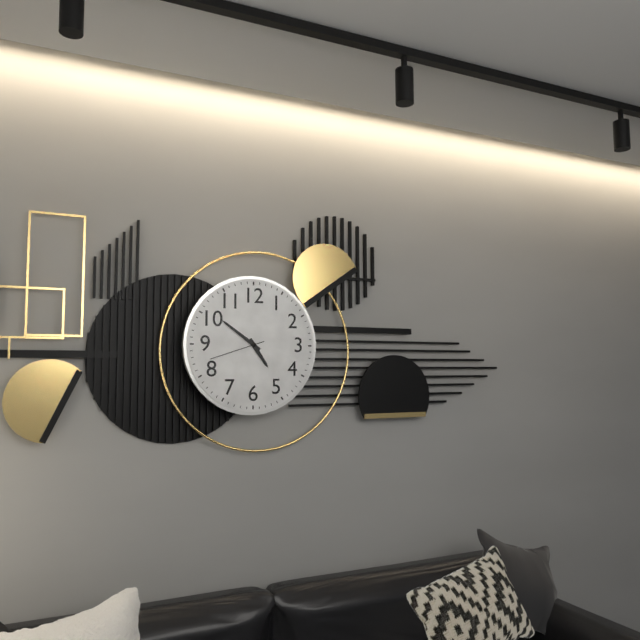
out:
4 h 51 min 42 s
